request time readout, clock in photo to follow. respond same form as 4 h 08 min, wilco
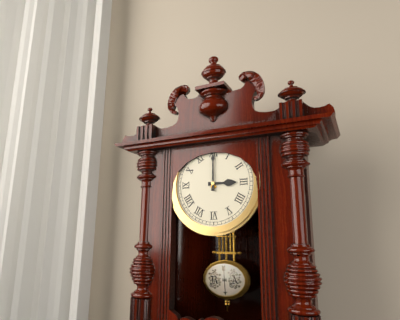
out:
3 h 00 min
